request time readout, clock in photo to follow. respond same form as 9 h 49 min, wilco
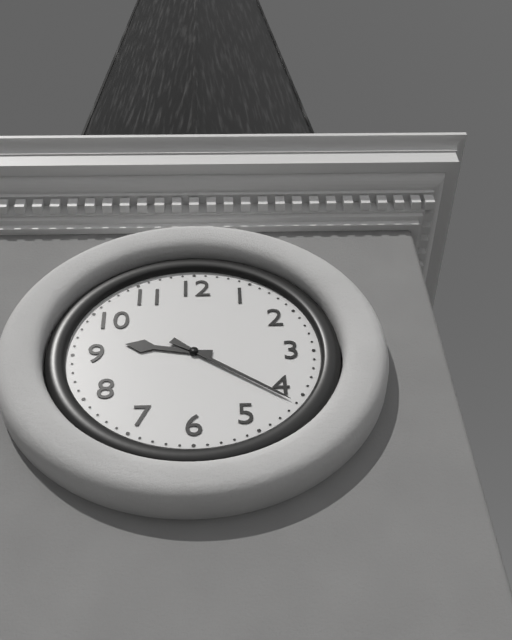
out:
9 h 21 min
